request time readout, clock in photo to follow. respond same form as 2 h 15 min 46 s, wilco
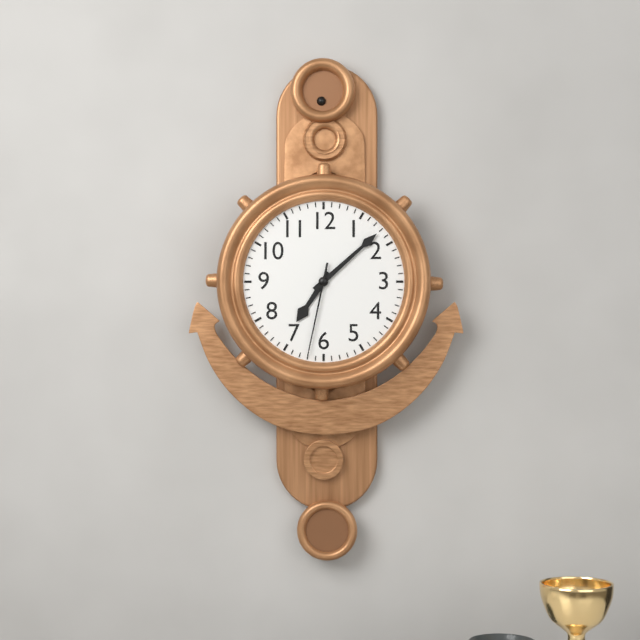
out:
7 h 08 min 32 s
